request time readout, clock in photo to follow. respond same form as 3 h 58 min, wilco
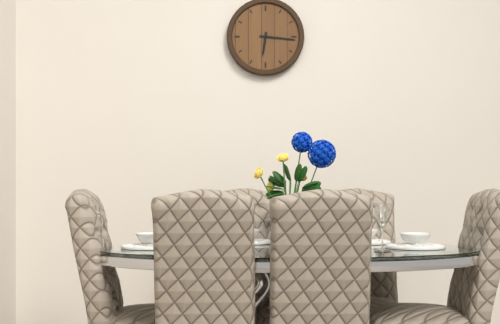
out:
6 h 16 min
